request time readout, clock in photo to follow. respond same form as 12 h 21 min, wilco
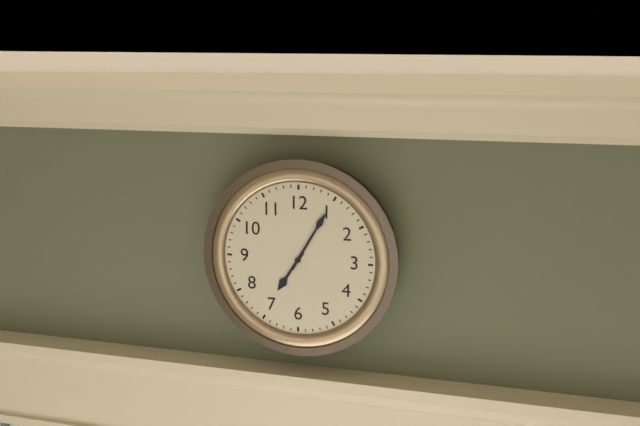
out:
7 h 05 min
